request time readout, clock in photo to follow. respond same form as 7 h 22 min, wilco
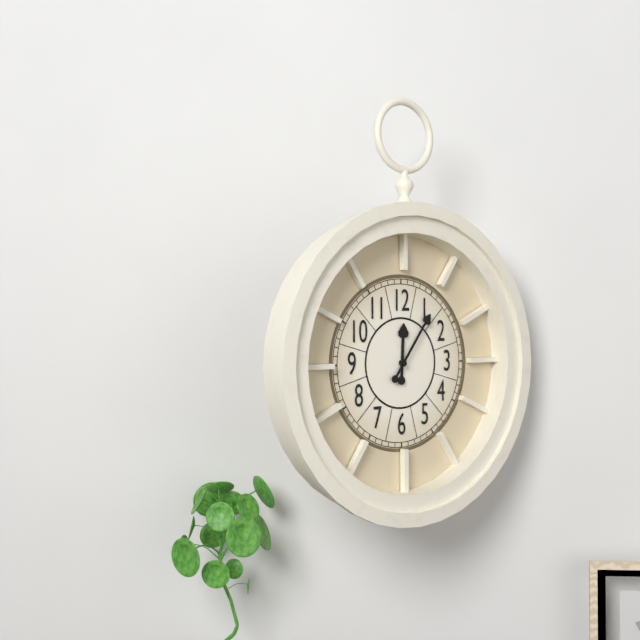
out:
12 h 06 min
